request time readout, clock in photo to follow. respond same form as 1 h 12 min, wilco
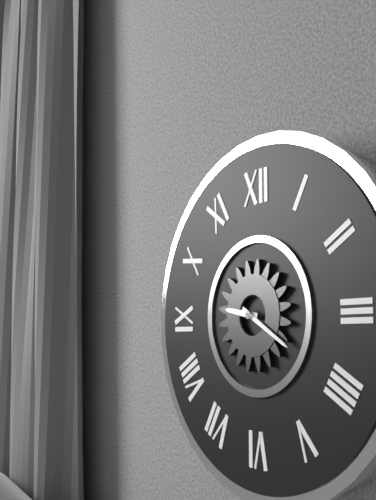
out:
9 h 20 min
